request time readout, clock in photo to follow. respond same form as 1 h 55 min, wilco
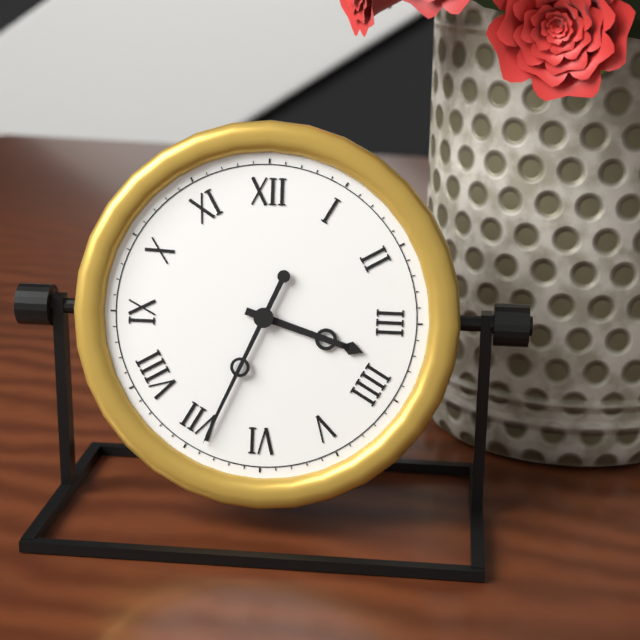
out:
3 h 34 min
